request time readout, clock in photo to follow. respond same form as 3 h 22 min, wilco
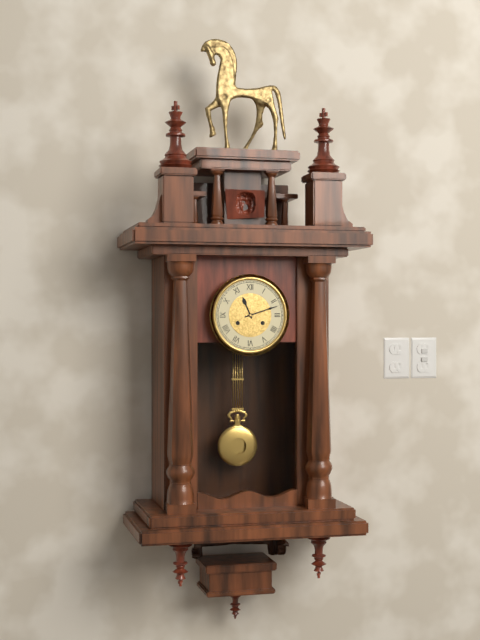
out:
11 h 12 min
